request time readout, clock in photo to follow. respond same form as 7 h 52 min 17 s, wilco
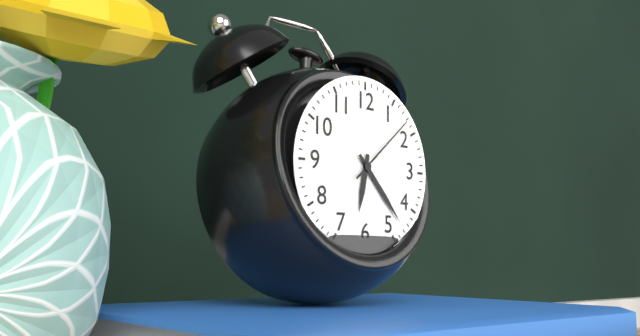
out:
6 h 23 min 08 s
